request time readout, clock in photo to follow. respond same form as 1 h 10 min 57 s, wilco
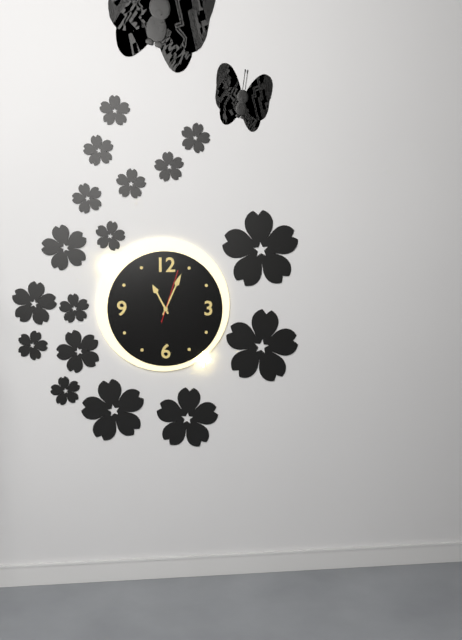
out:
11 h 04 min 03 s
